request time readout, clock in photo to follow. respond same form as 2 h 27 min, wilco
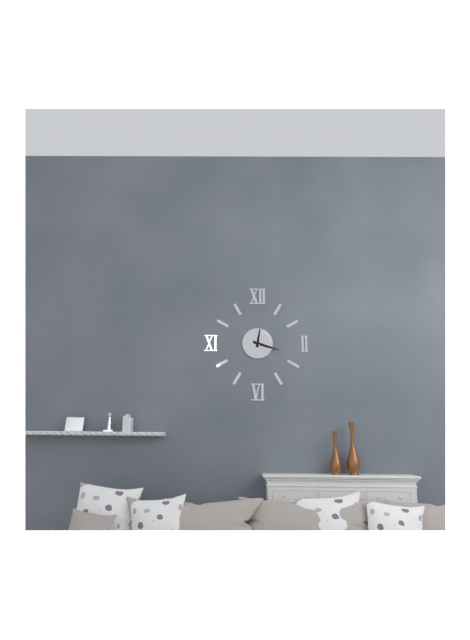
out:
12 h 18 min
